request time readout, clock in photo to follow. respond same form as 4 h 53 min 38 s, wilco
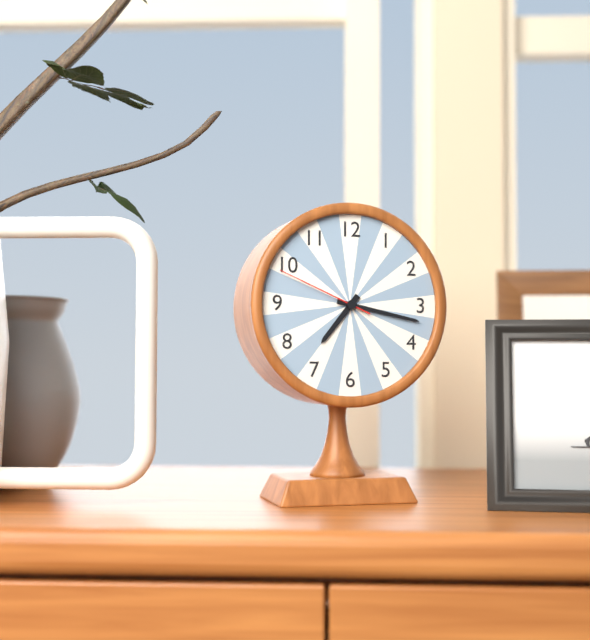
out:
7 h 17 min 49 s
